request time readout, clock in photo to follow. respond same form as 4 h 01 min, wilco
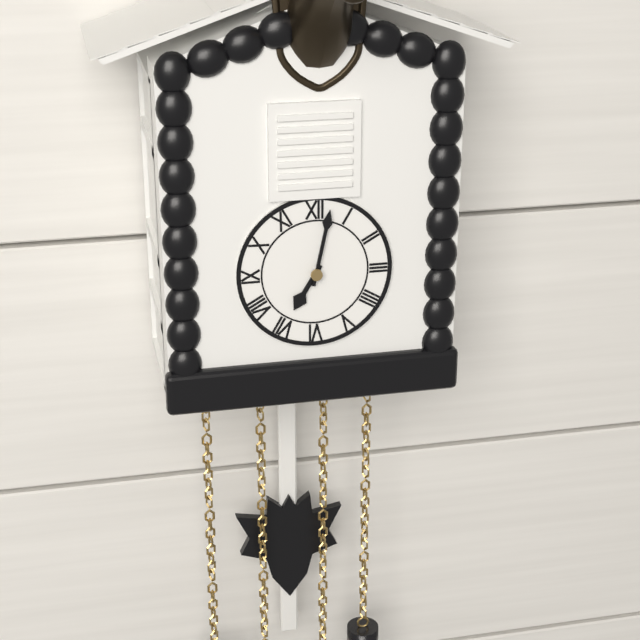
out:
7 h 02 min
